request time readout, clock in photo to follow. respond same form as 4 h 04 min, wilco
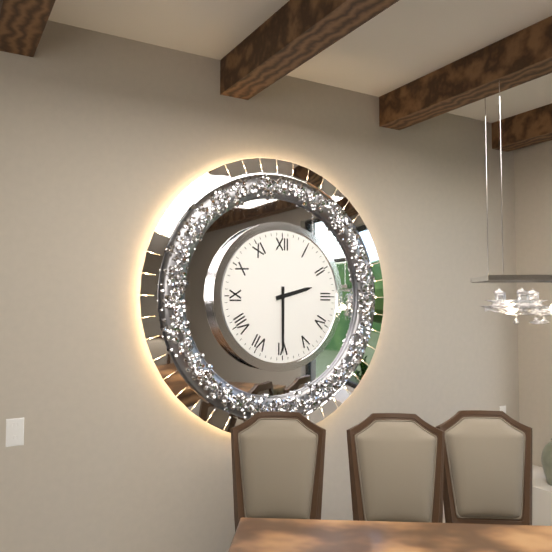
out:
2 h 30 min
